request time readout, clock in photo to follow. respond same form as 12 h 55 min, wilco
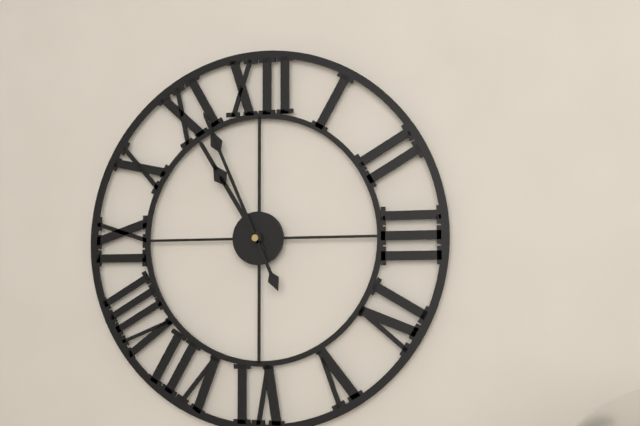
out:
10 h 56 min
